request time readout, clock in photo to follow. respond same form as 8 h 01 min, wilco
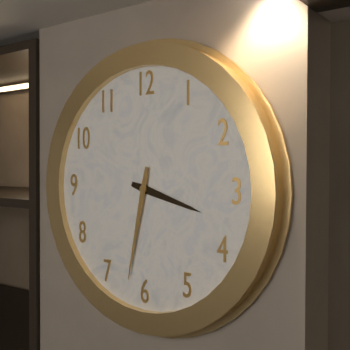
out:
3 h 32 min
